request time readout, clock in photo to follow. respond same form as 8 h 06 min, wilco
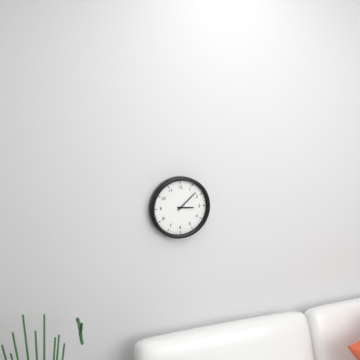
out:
3 h 08 min
